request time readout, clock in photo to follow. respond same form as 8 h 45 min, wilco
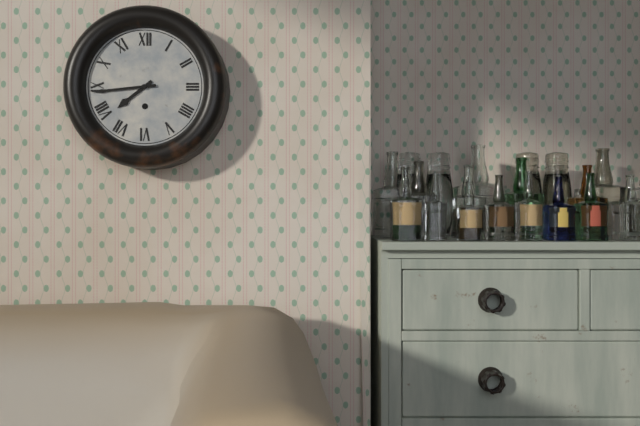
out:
7 h 44 min
